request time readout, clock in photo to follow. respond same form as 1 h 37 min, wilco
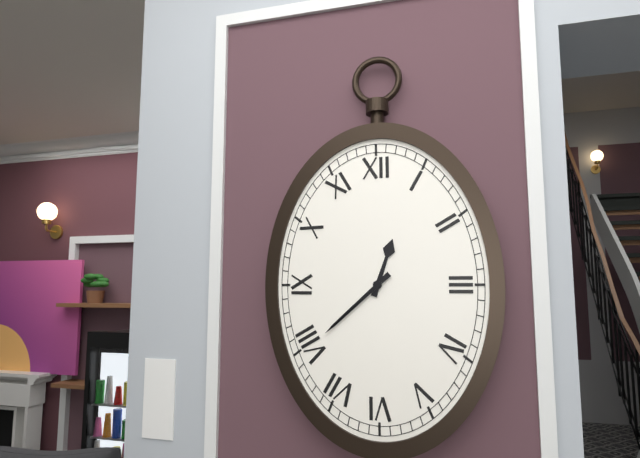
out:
12 h 38 min
